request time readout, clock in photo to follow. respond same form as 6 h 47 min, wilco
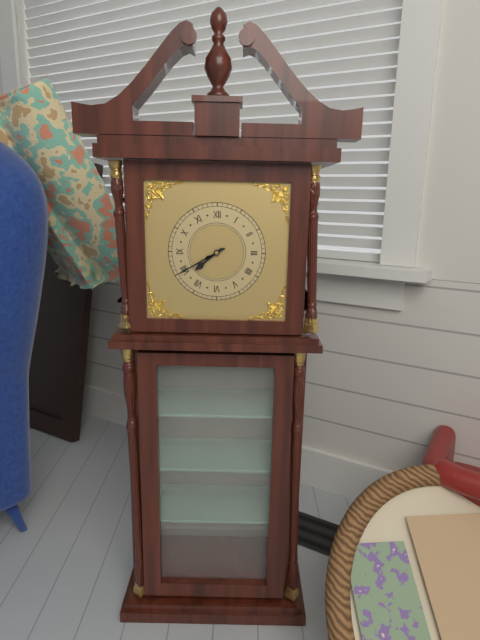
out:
7 h 40 min
